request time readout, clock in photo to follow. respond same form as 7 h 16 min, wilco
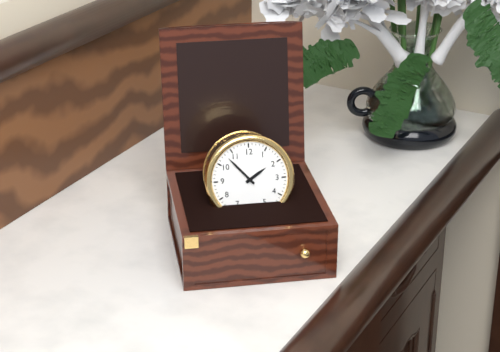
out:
1 h 53 min
